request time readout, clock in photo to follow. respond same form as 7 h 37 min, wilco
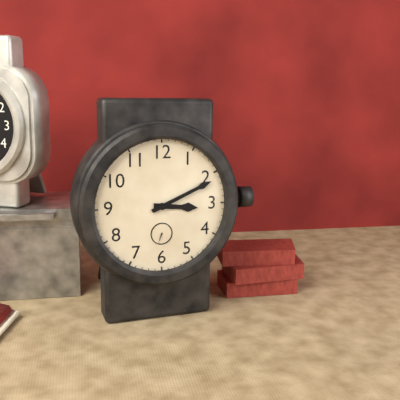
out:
3 h 11 min
